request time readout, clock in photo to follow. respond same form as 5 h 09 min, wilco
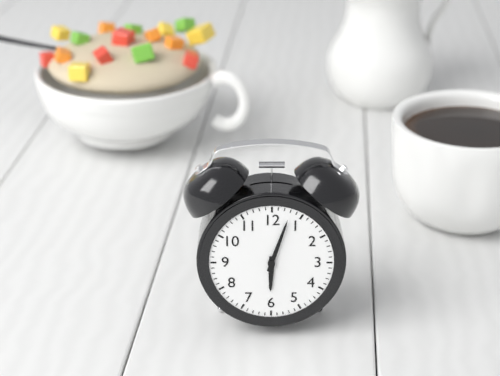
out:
6 h 03 min
